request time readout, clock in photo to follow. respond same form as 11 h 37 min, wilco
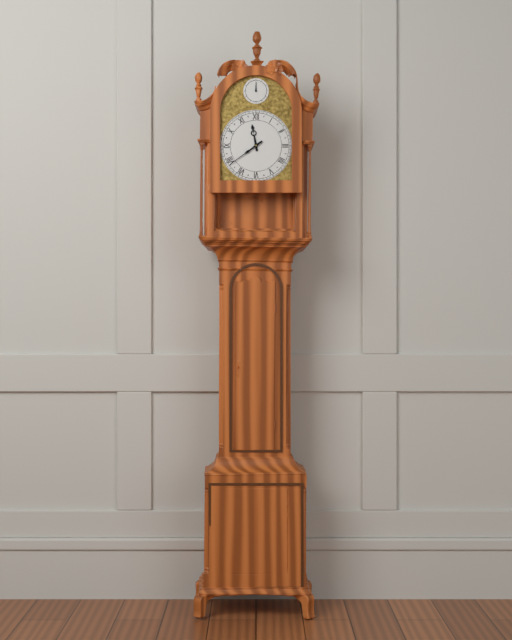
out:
11 h 39 min
